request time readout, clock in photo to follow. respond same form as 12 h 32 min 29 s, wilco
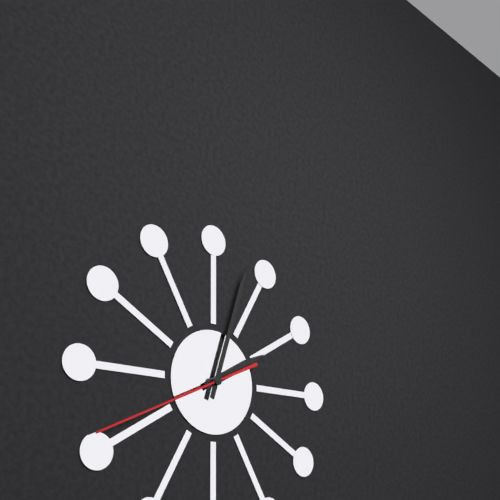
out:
2 h 03 min 41 s
